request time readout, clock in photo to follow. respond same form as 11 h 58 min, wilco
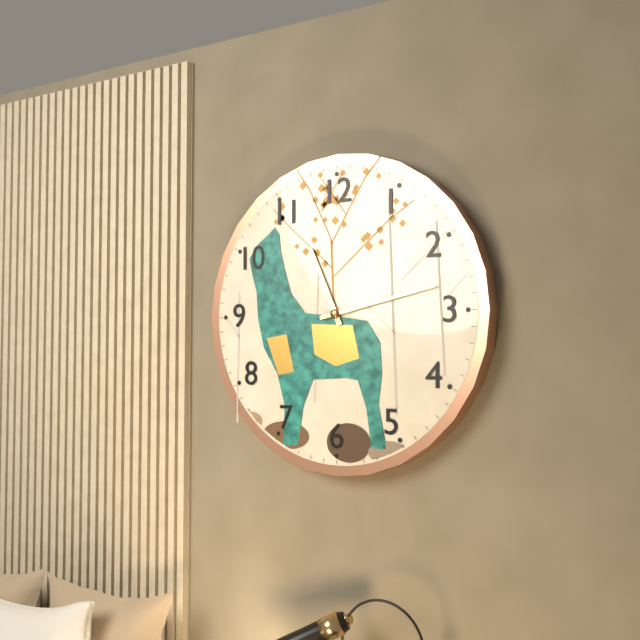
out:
11 h 13 min
